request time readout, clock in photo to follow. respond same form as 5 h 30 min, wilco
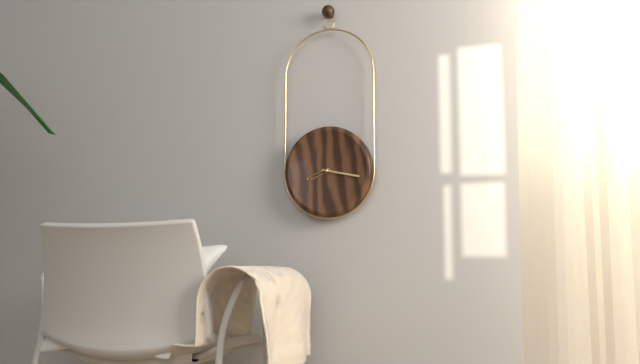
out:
8 h 17 min
